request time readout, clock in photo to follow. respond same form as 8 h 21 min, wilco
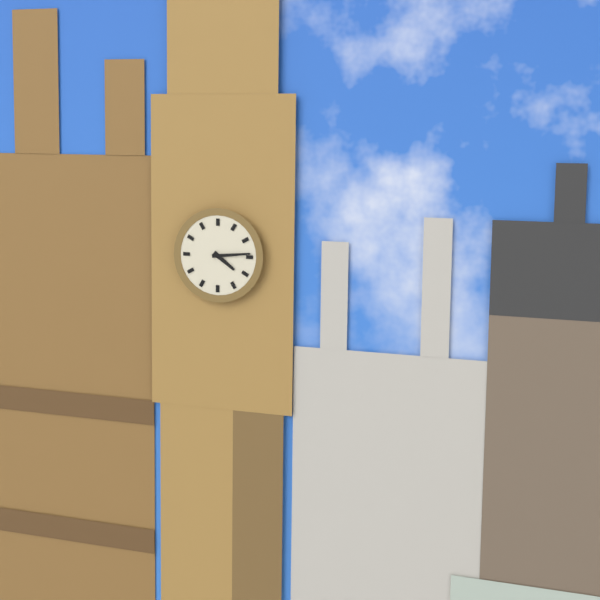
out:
4 h 14 min
